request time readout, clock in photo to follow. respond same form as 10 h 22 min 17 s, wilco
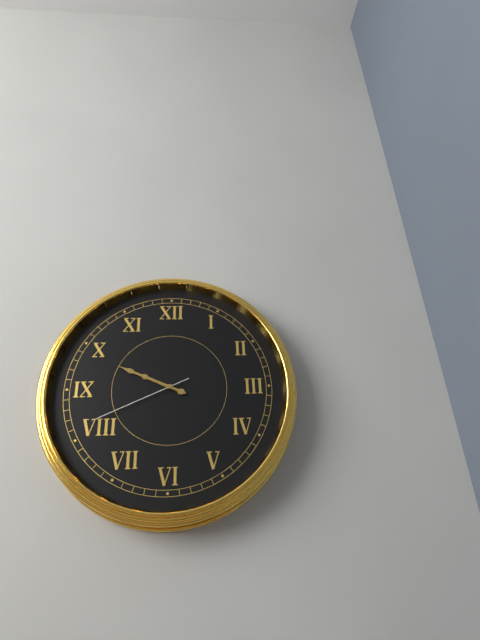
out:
9 h 49 min 41 s
